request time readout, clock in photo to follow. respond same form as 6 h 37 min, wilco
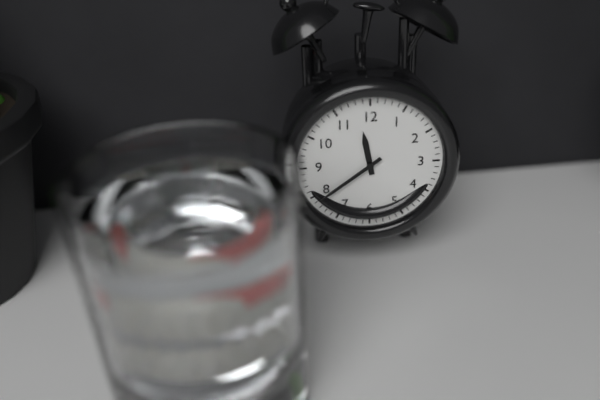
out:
11 h 39 min
